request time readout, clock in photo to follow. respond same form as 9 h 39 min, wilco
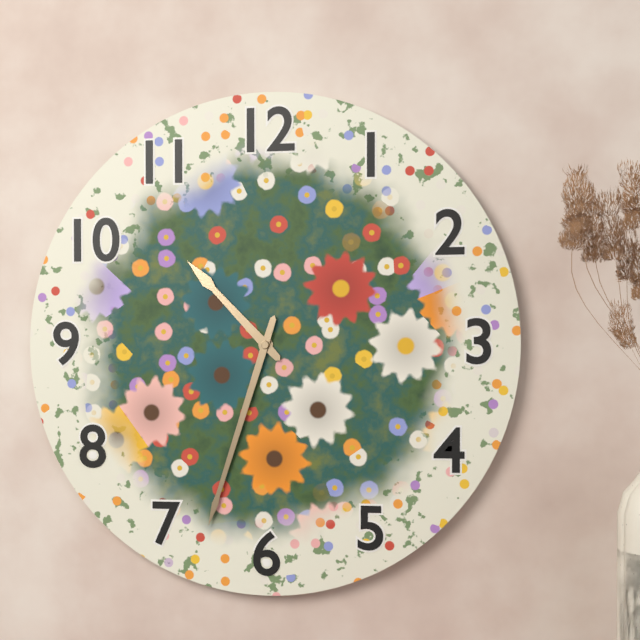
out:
10 h 33 min
